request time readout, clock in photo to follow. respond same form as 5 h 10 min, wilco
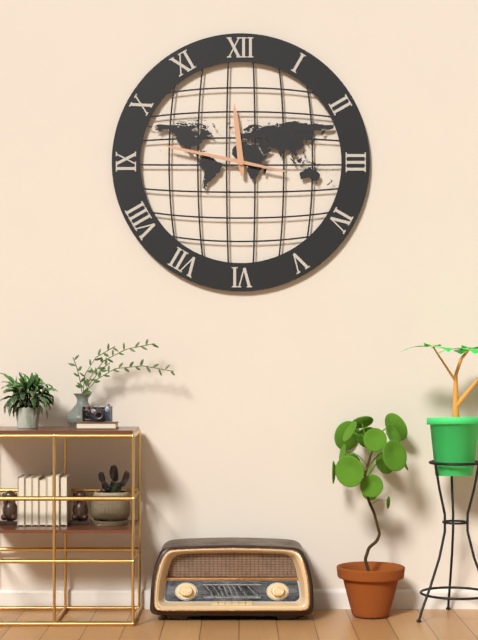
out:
11 h 47 min
